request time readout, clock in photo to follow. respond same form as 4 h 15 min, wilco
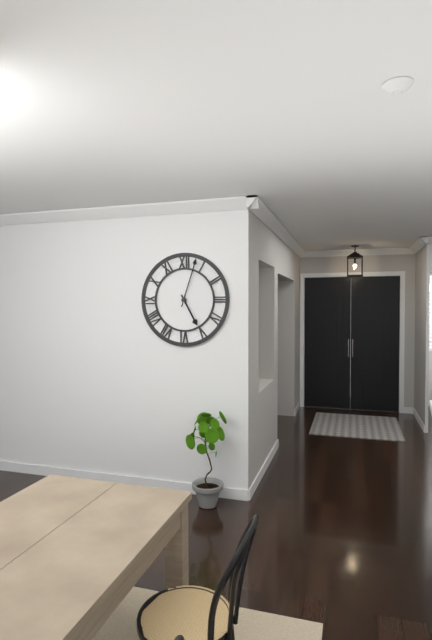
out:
5 h 03 min
